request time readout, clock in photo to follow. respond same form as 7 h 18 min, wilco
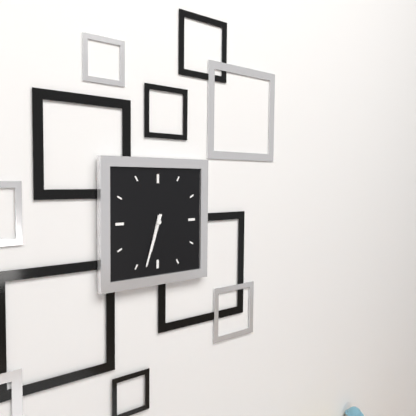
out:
6 h 33 min
